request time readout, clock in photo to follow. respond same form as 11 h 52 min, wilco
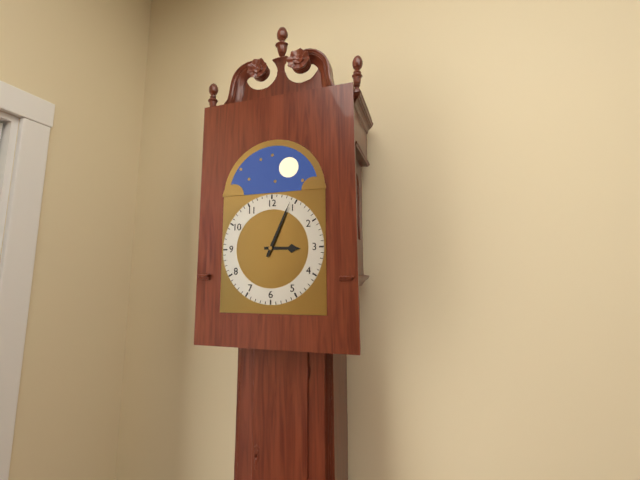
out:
3 h 04 min
